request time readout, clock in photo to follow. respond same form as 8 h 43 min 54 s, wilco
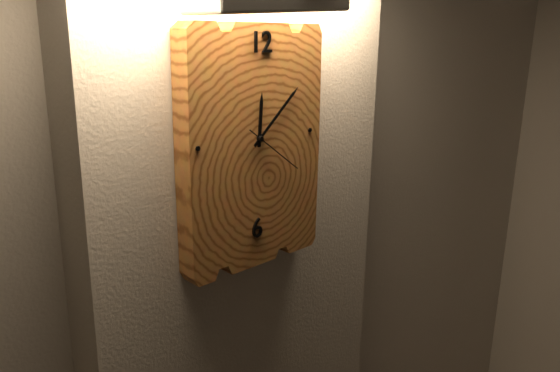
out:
12 h 08 min 21 s
